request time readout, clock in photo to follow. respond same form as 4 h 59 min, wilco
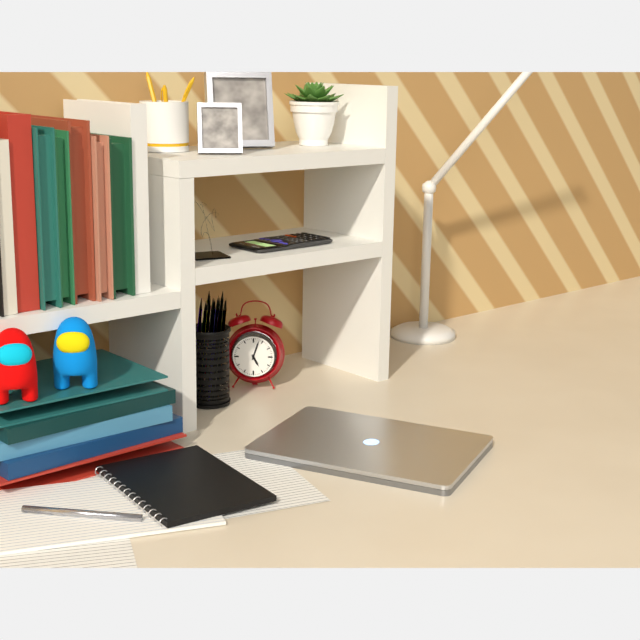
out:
5 h 03 min
